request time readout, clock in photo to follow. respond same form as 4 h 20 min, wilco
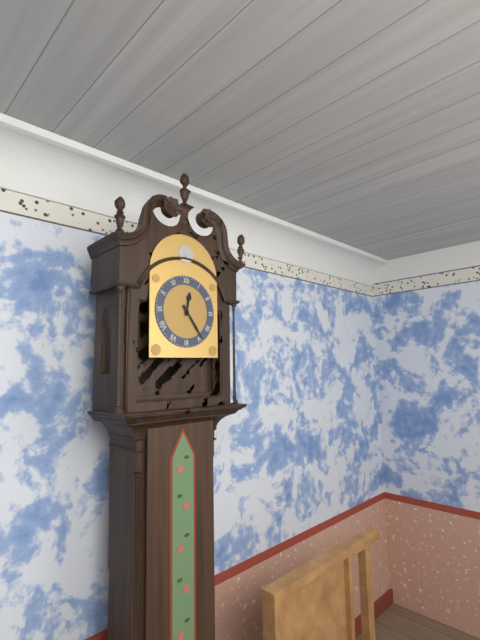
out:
12 h 24 min
